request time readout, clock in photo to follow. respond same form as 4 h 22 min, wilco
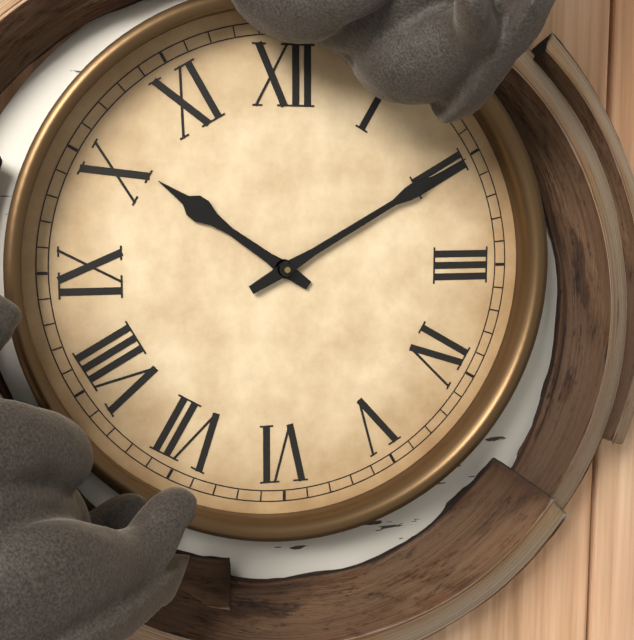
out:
10 h 10 min
